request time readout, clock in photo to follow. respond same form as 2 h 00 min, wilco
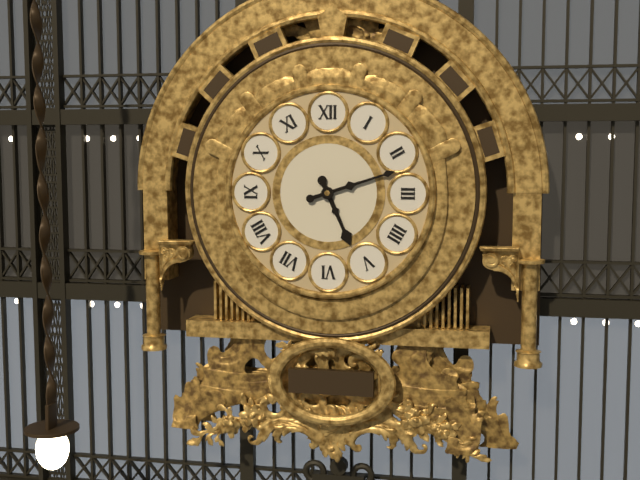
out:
5 h 12 min
